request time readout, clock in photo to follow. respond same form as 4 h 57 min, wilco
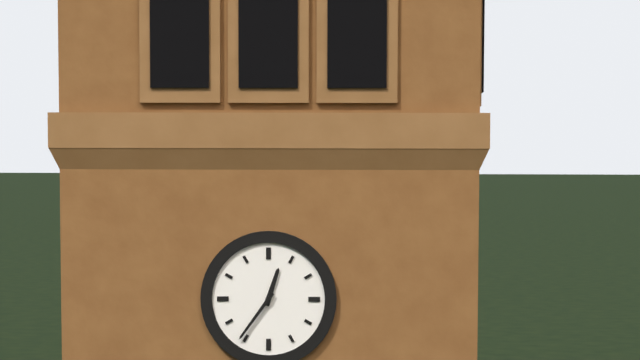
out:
12 h 36 min
